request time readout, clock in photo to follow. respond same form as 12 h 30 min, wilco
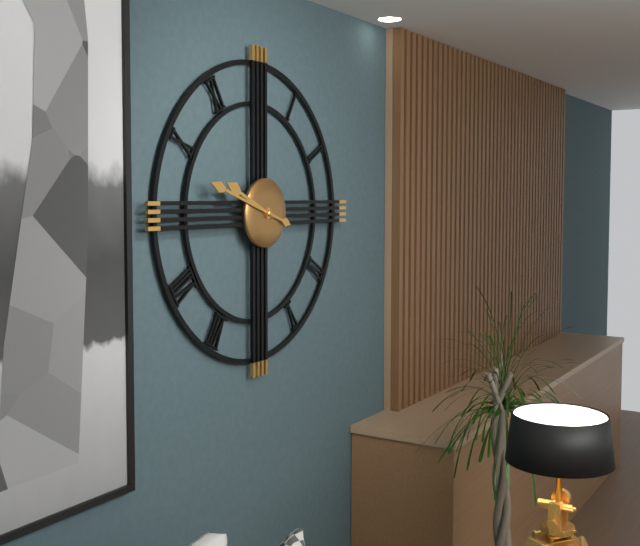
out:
9 h 48 min
